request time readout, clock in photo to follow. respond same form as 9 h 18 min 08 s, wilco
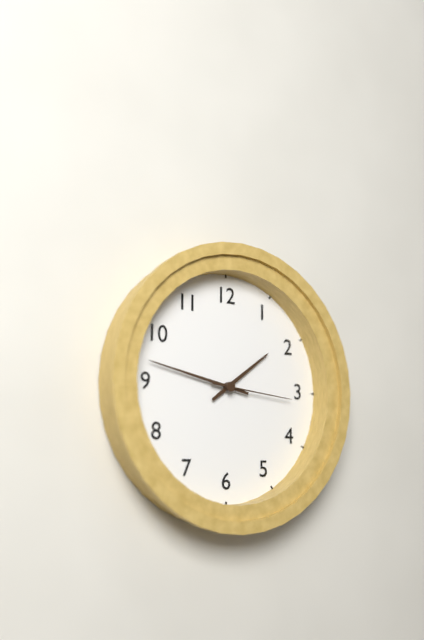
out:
1 h 47 min 16 s
